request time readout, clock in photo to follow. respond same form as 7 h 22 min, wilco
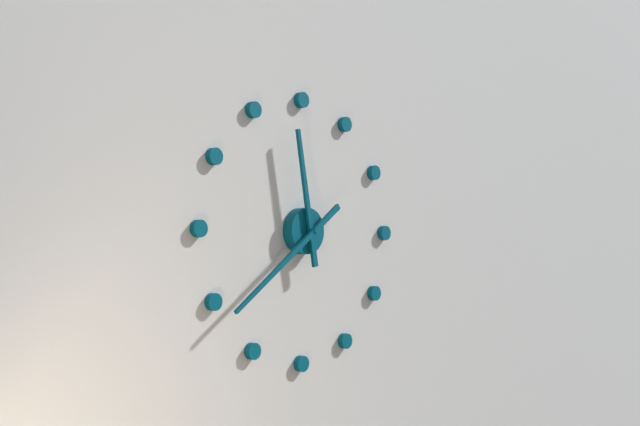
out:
11 h 39 min
